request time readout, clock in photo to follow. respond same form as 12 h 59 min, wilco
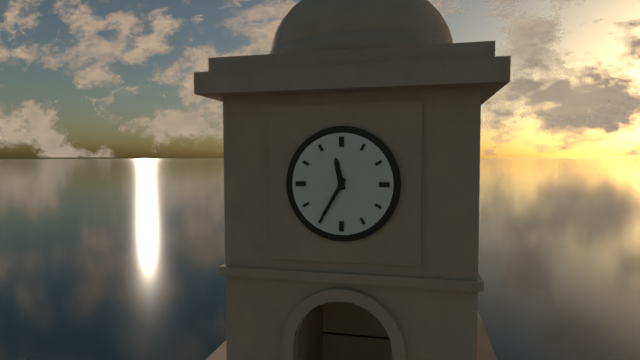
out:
11 h 35 min
